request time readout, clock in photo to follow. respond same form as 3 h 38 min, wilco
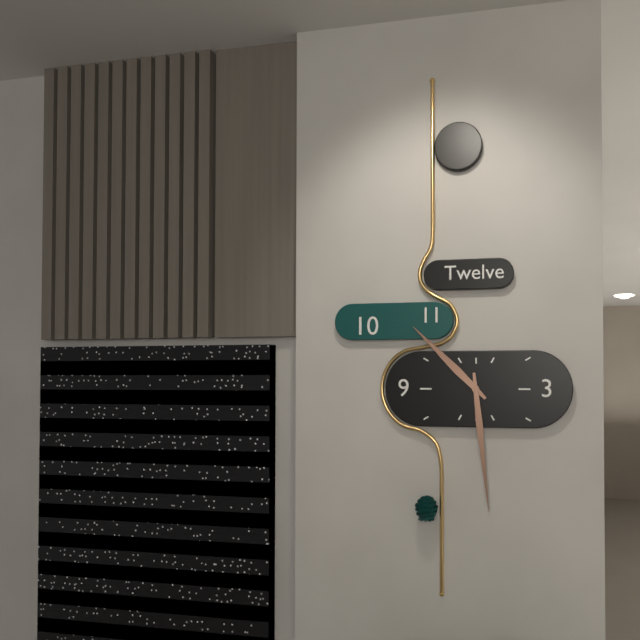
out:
10 h 29 min
